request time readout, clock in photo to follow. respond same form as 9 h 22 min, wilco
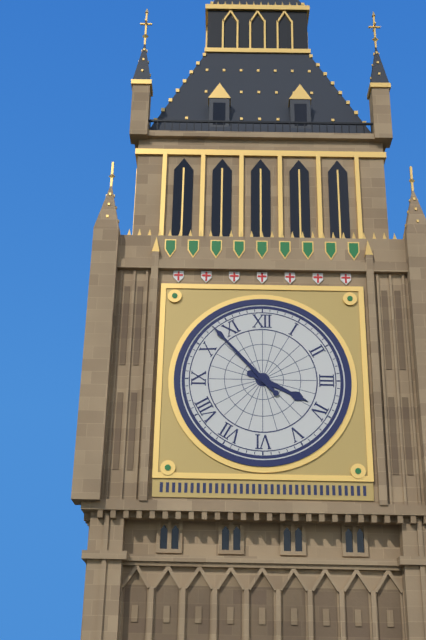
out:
3 h 53 min
